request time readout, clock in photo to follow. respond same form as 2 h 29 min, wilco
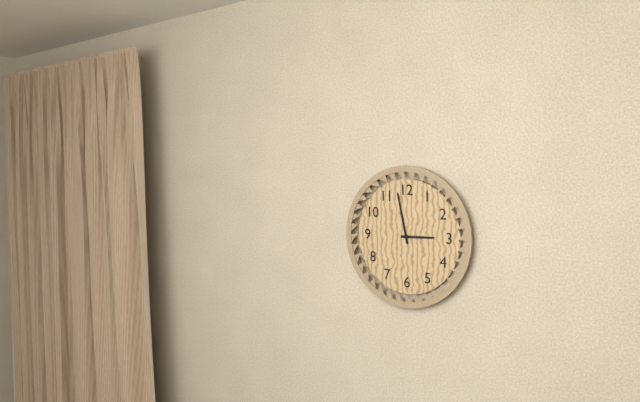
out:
2 h 58 min
